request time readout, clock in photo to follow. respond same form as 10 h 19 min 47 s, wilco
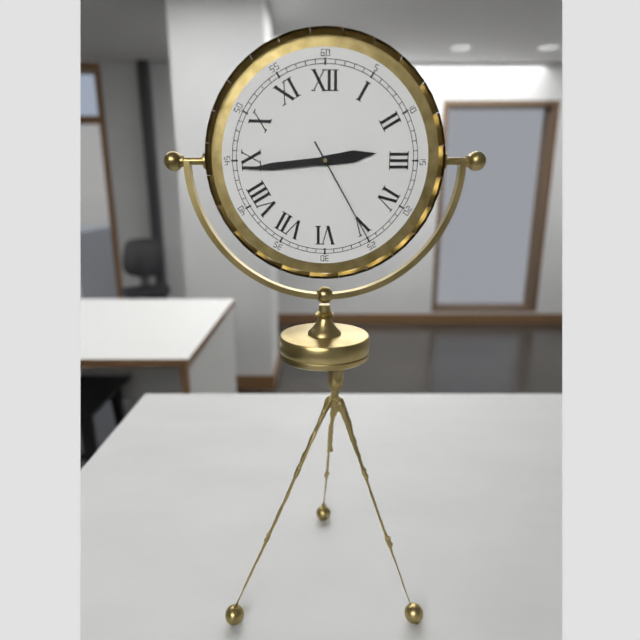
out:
2 h 44 min 25 s
